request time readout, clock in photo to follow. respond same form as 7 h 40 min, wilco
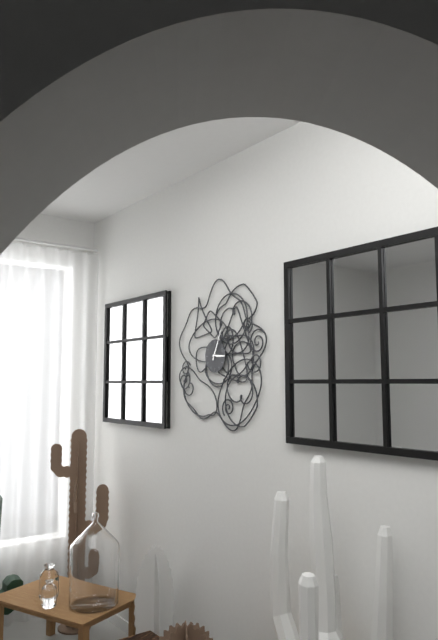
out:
3 h 04 min
